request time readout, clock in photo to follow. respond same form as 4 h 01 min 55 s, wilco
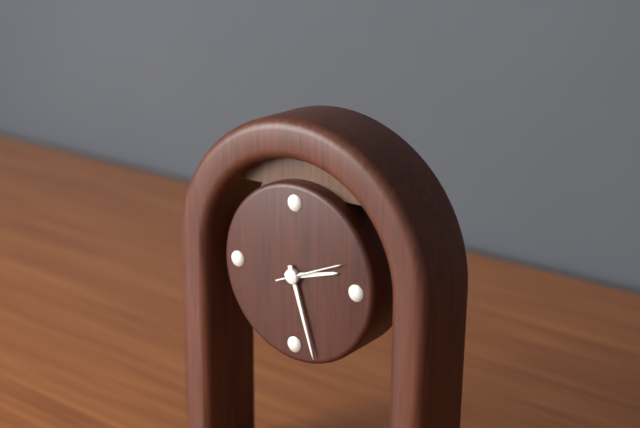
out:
2 h 27 min 11 s
